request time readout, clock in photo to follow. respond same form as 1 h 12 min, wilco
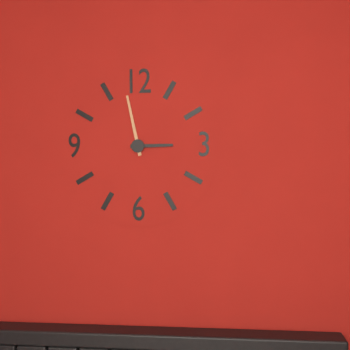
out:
2 h 58 min
